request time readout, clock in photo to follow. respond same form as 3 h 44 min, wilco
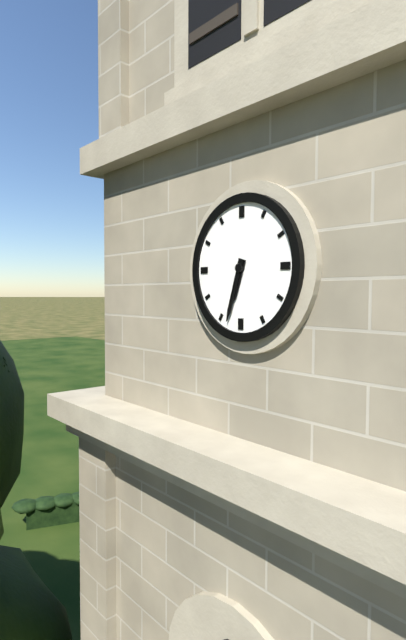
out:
6 h 33 min
